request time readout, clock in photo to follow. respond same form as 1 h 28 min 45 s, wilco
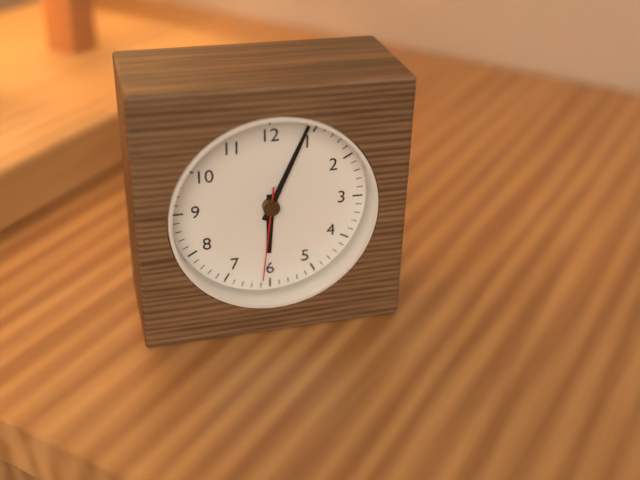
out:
6 h 04 min 31 s
